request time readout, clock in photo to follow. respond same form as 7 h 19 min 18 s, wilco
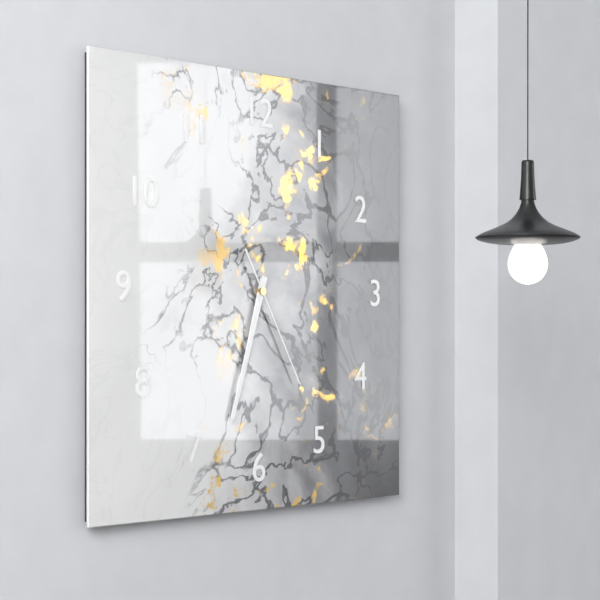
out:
6 h 33 min 25 s
